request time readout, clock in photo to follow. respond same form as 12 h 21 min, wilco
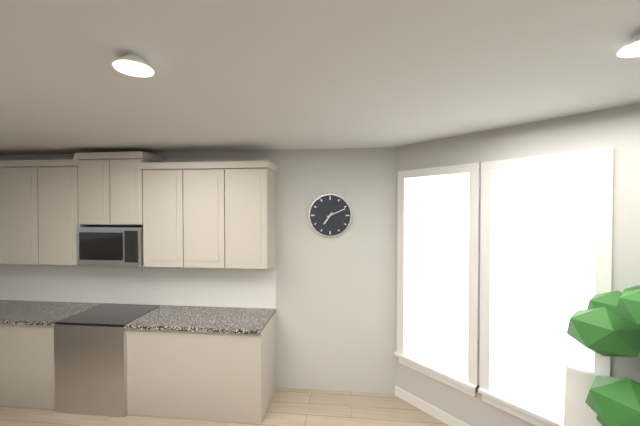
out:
7 h 11 min
